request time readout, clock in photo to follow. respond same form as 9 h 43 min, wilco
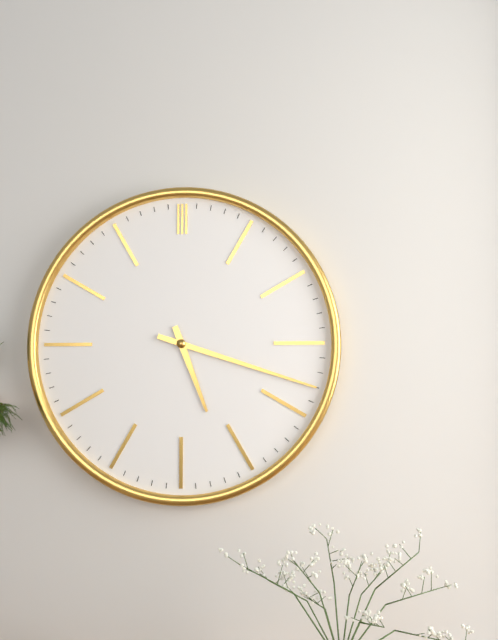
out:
5 h 18 min
